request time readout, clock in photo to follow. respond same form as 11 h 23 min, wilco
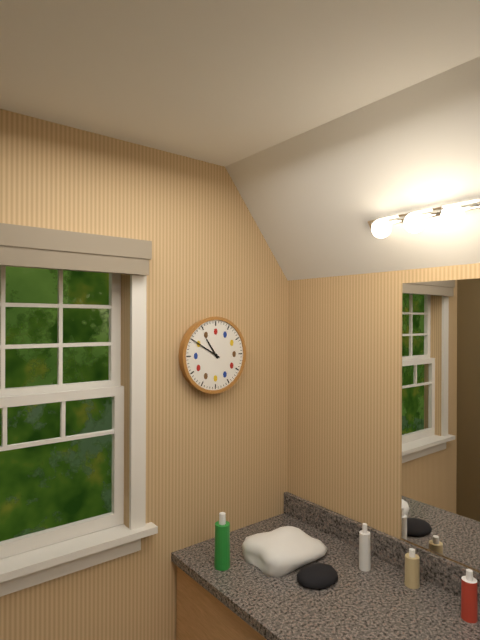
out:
10 h 50 min
